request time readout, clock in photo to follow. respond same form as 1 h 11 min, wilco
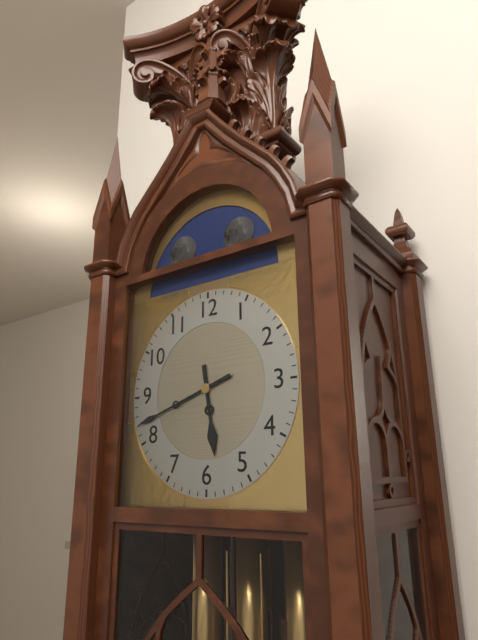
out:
5 h 42 min
